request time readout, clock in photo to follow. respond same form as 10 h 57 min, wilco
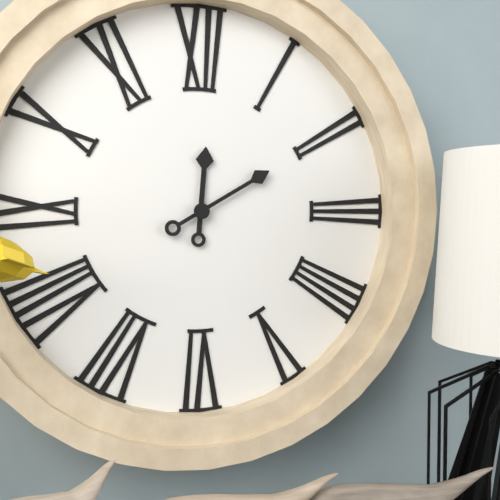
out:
12 h 10 min
